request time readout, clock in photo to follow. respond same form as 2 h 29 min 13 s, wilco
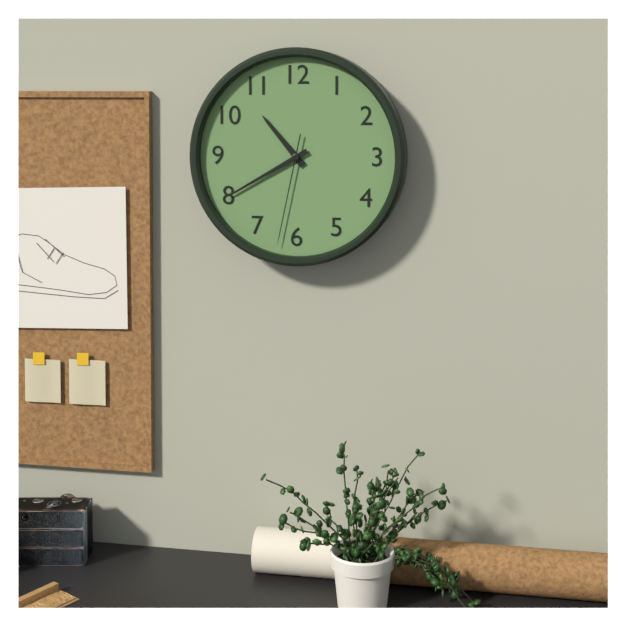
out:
10 h 40 min 32 s
